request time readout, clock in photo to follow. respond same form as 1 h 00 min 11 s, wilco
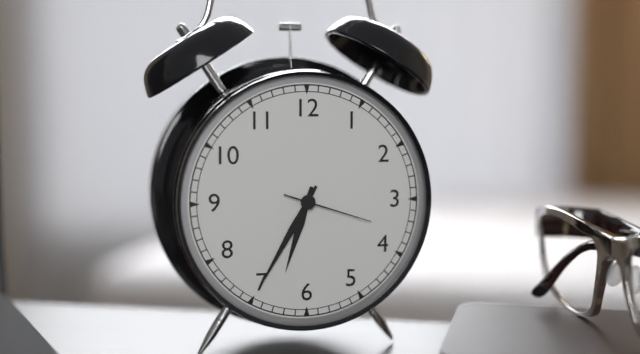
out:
6 h 35 min 18 s
